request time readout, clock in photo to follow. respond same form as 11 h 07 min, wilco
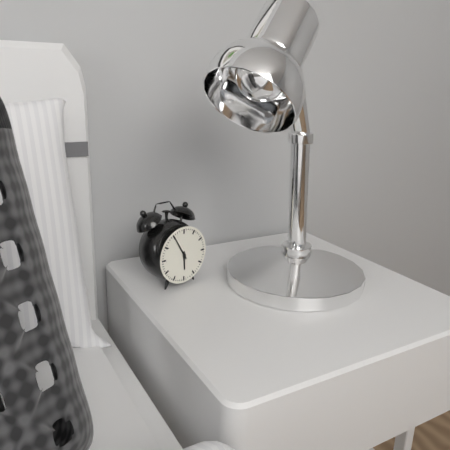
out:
5 h 55 min
